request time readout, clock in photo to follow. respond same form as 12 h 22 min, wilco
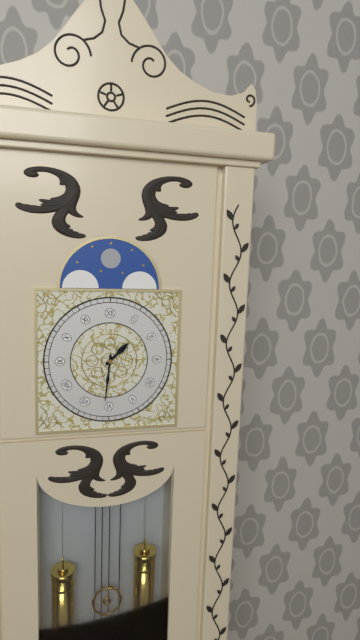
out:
1 h 31 min
